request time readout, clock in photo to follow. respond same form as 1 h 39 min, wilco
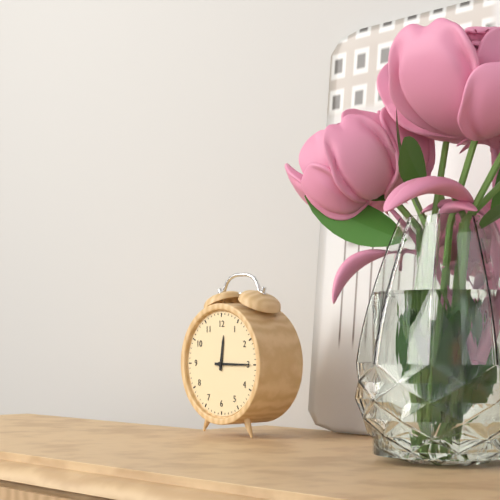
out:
12 h 15 min
